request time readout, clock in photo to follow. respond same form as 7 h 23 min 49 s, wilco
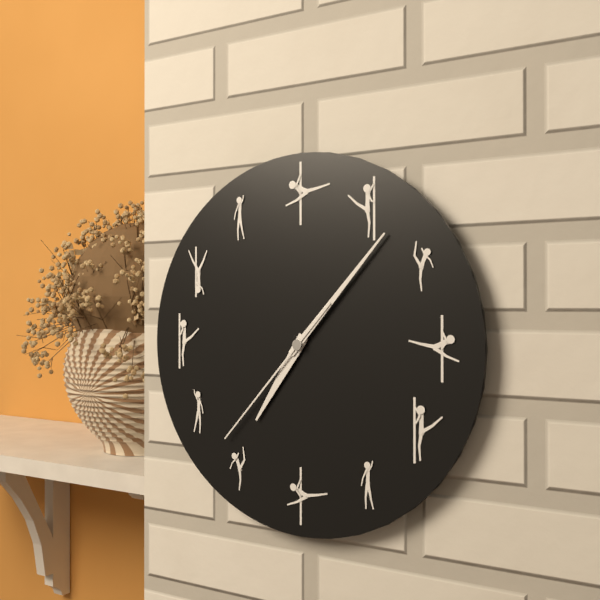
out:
7 h 07 min 37 s
